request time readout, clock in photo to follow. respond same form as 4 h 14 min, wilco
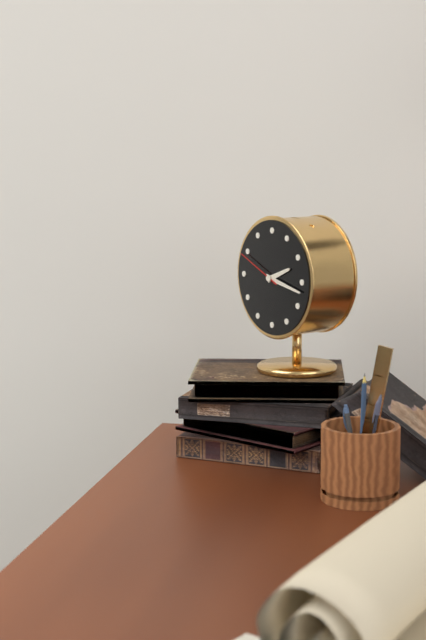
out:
2 h 17 min
